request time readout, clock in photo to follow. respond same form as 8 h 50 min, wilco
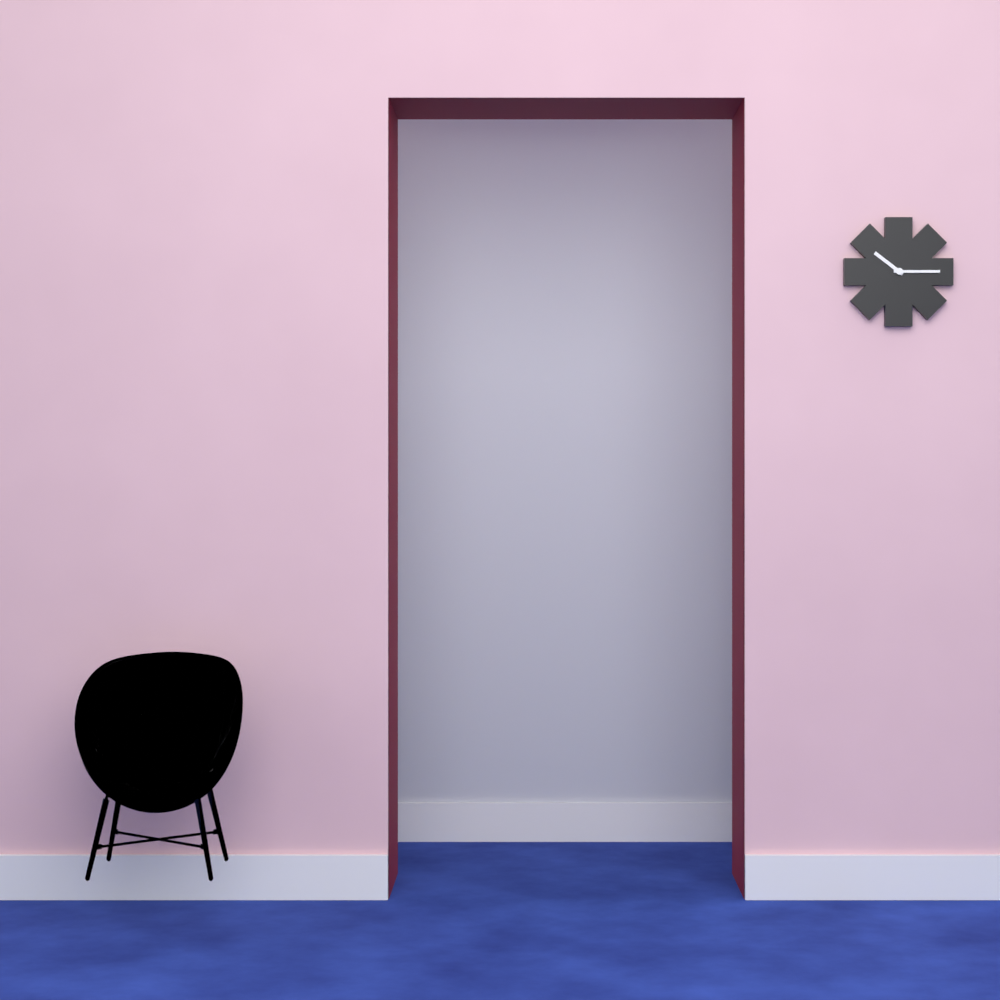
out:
10 h 15 min
